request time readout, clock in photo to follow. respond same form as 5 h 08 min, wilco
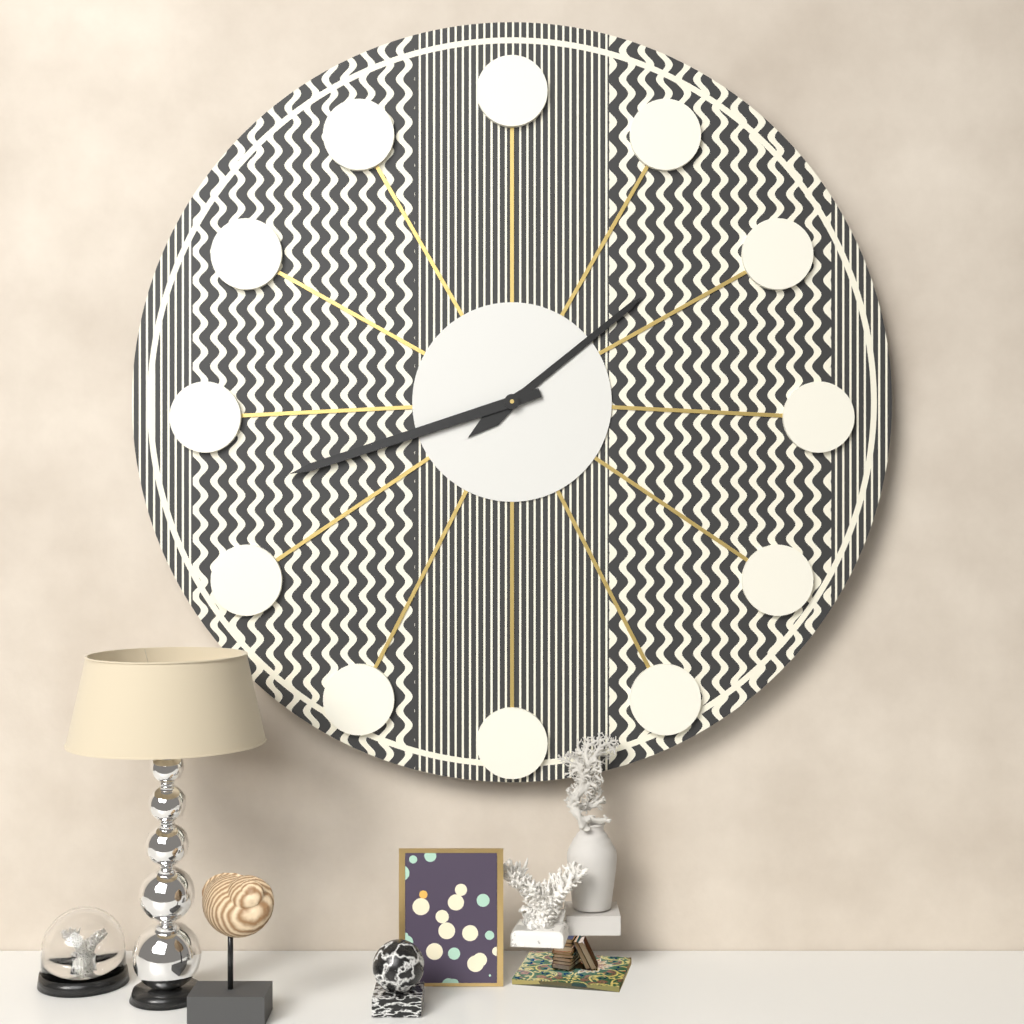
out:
1 h 42 min
